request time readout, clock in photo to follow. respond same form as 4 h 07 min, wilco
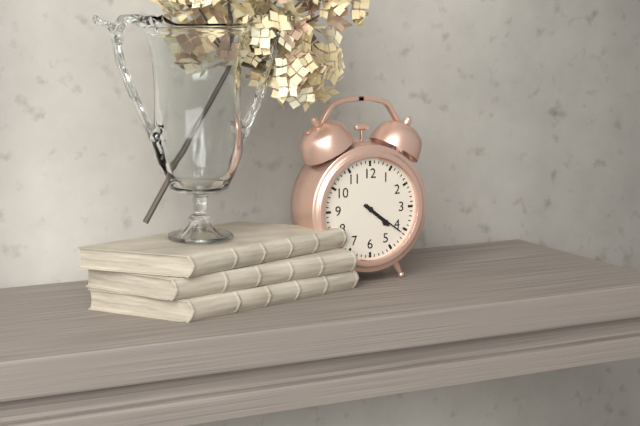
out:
4 h 21 min
